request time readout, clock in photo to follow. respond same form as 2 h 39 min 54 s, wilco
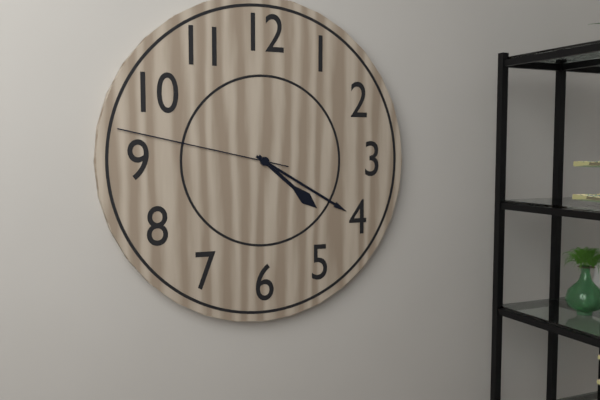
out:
4 h 20 min 47 s
